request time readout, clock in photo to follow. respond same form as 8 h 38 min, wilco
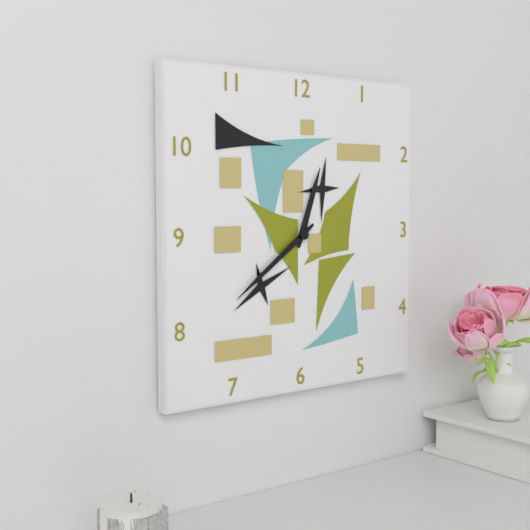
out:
12 h 39 min
